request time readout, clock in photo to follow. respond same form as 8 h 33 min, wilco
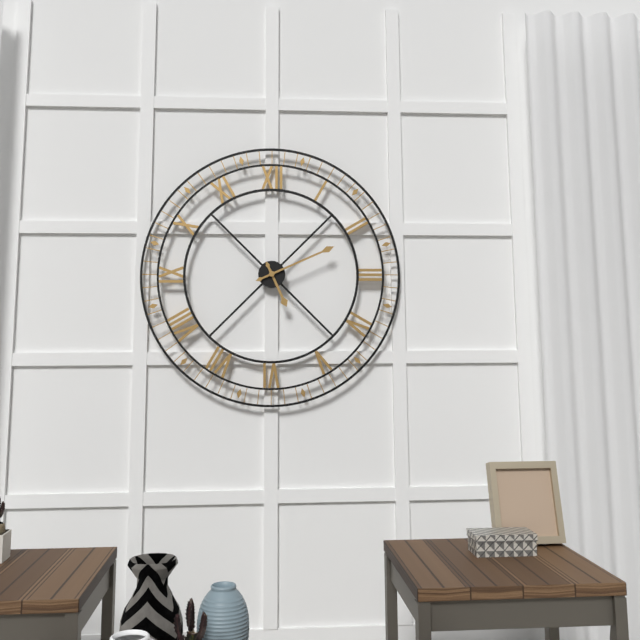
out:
5 h 11 min
